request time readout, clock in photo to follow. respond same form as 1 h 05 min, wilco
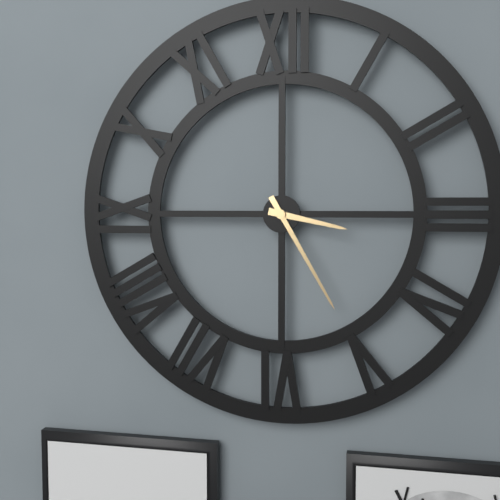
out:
3 h 25 min
